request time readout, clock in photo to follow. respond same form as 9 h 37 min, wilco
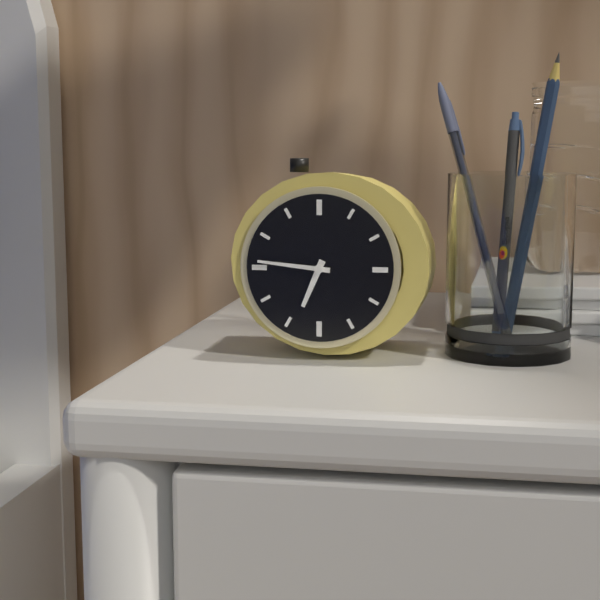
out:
6 h 46 min
